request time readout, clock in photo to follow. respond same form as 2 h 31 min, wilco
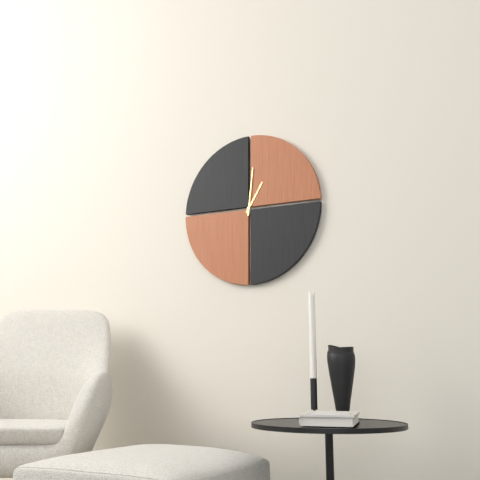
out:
1 h 01 min
